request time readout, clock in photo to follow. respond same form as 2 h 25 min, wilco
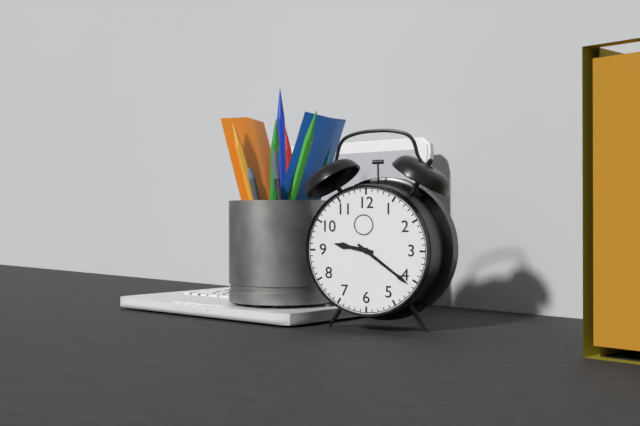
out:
9 h 21 min
